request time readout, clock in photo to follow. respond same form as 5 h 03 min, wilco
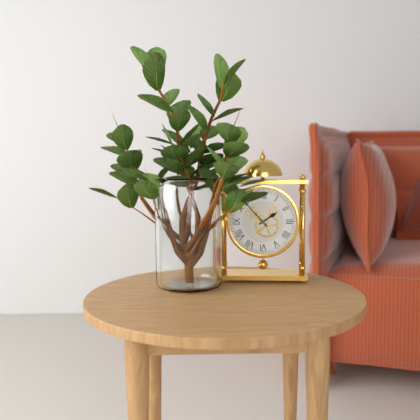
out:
1 h 53 min
